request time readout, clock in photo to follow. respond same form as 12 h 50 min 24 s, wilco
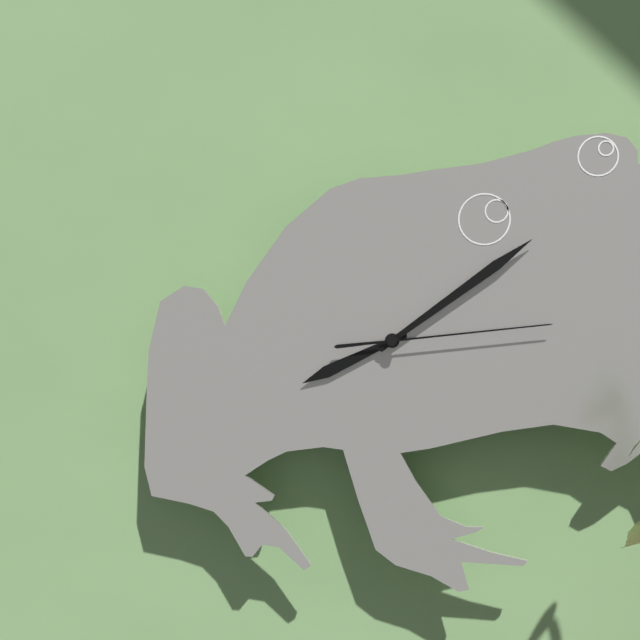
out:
8 h 09 min 14 s
